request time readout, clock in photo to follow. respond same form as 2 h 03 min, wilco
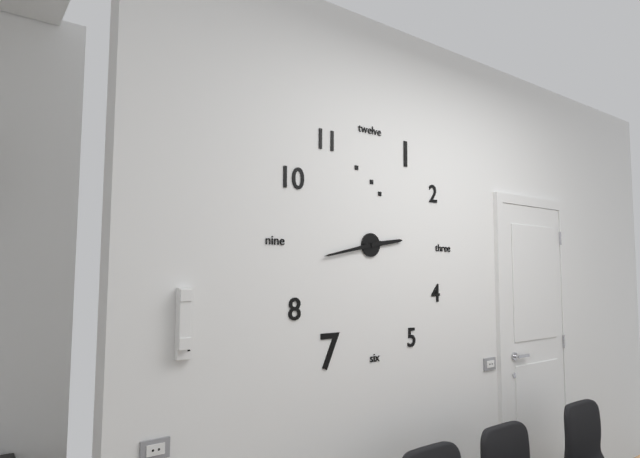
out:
2 h 43 min
